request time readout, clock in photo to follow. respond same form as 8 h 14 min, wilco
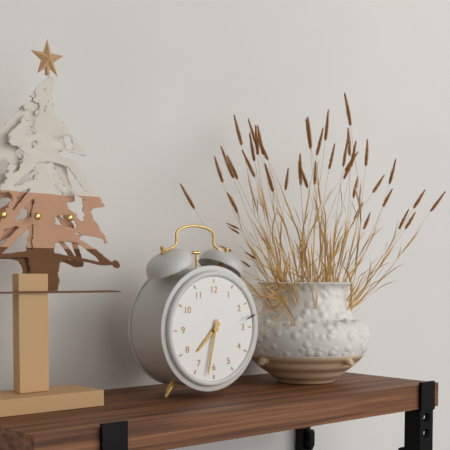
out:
7 h 32 min
